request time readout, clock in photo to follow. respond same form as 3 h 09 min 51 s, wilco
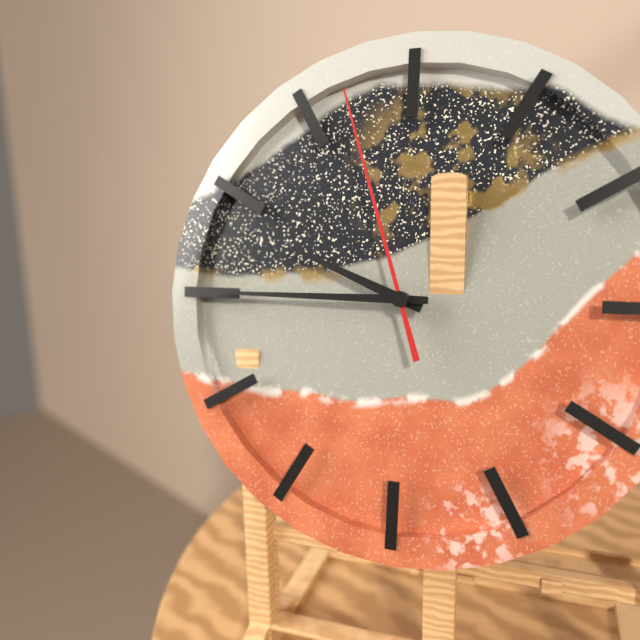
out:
9 h 45 min 57 s
